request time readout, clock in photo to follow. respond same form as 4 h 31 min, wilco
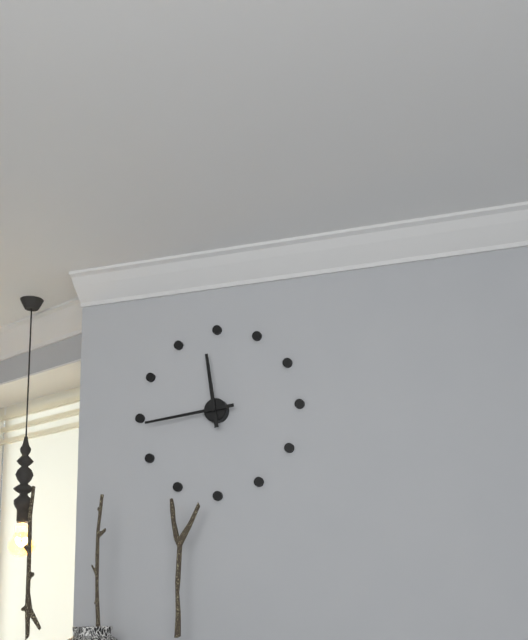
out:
11 h 44 min
